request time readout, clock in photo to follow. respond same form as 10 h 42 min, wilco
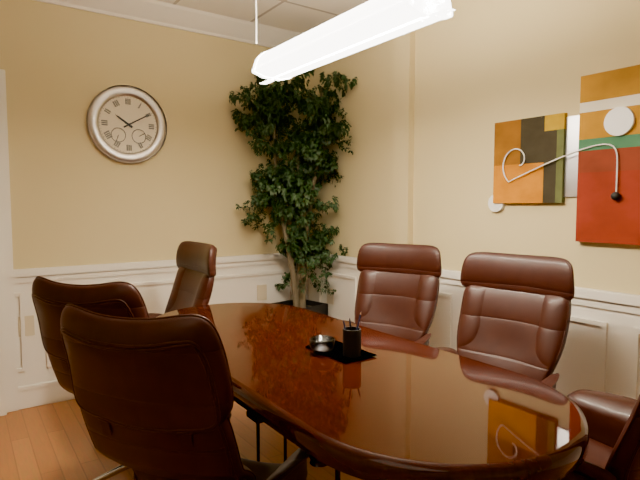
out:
10 h 10 min
